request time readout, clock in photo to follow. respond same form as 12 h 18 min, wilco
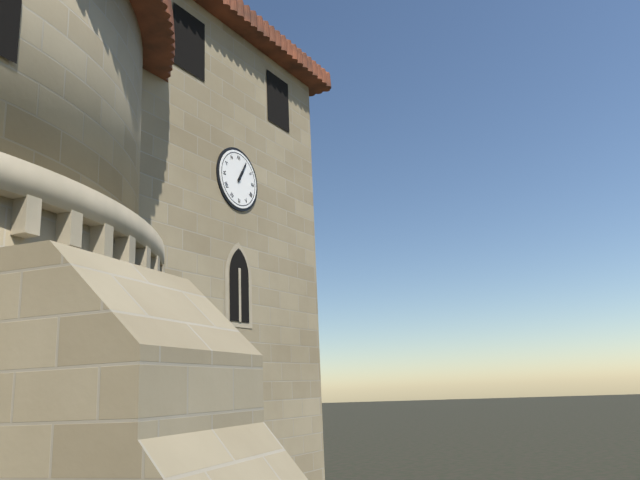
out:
1 h 05 min
